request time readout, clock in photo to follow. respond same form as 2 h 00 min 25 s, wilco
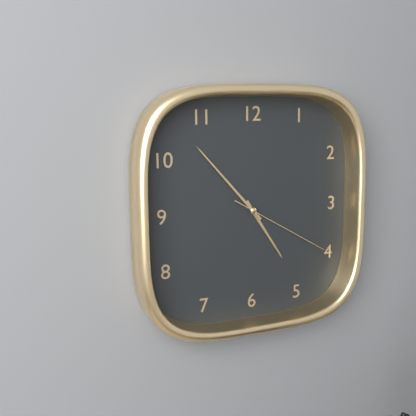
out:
4 h 53 min 20 s
